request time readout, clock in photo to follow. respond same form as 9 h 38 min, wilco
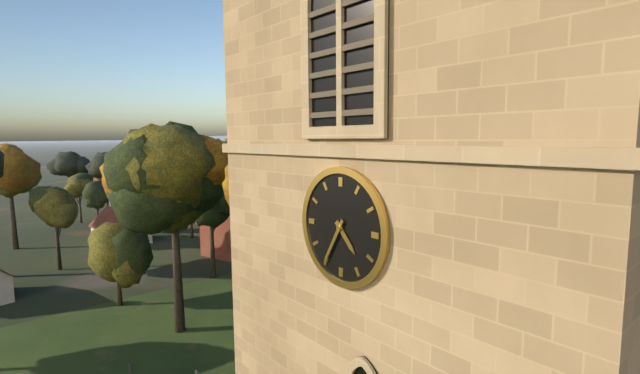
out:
4 h 35 min
